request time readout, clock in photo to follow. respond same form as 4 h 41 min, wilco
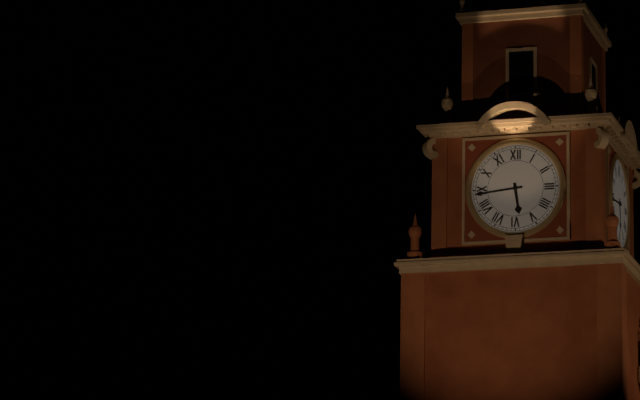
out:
5 h 44 min
